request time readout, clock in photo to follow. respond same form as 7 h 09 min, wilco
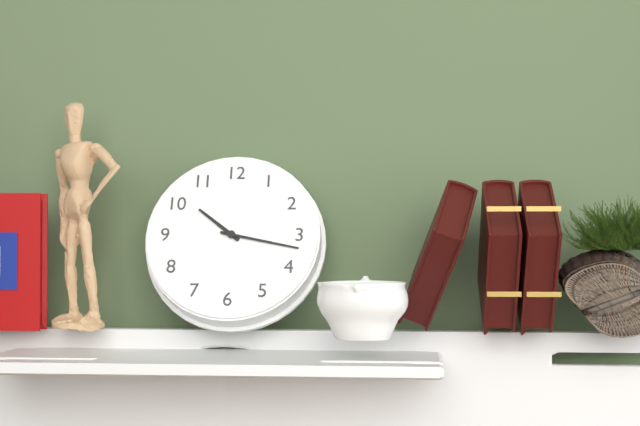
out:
10 h 17 min
